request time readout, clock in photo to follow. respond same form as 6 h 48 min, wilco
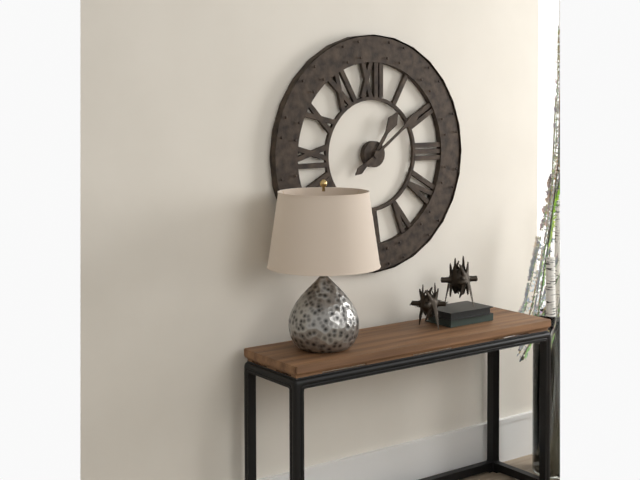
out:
1 h 09 min
